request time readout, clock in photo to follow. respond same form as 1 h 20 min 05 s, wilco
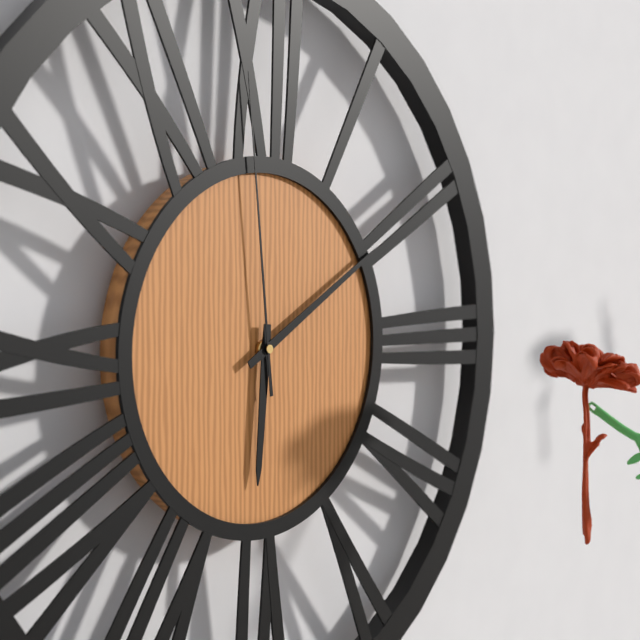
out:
6 h 10 min 59 s
